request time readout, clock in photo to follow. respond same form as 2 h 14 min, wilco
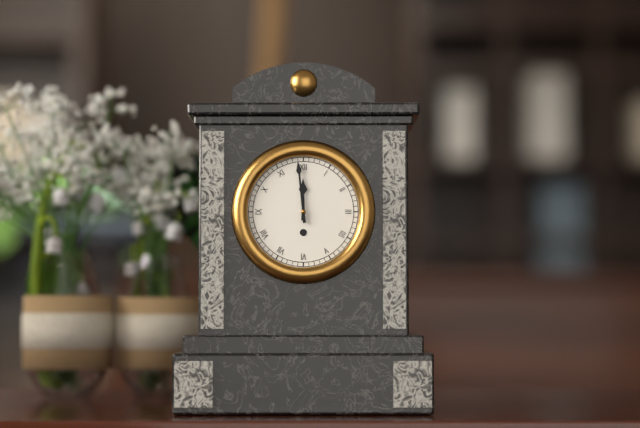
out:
11 h 59 min
